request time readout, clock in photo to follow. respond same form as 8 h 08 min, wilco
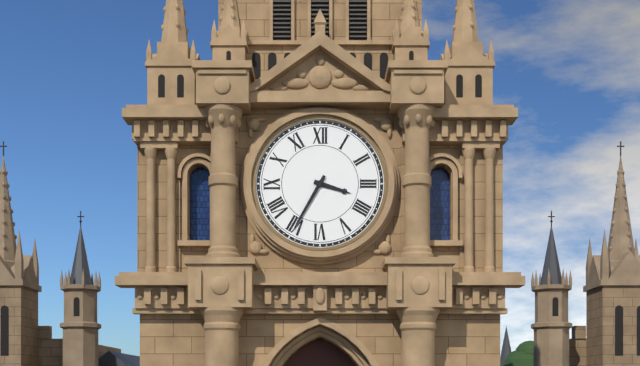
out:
3 h 35 min
